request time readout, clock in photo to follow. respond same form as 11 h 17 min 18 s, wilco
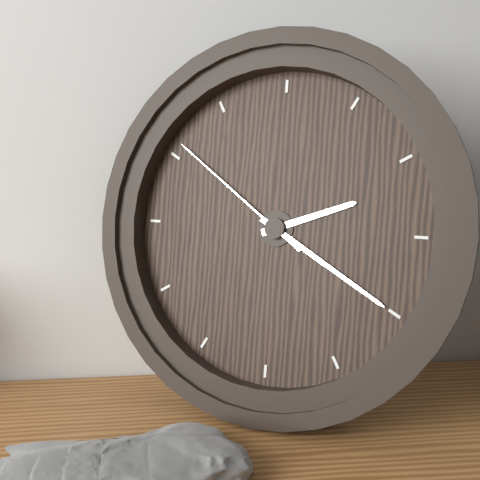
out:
2 h 20 min 51 s
